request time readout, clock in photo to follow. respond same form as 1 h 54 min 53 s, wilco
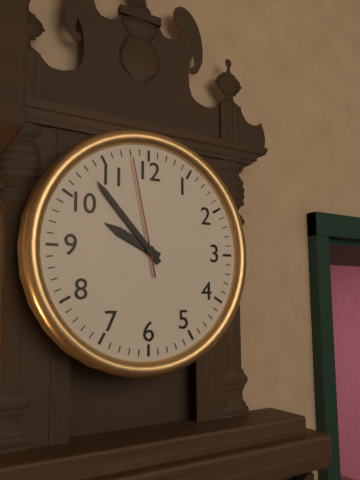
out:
9 h 53 min 58 s
